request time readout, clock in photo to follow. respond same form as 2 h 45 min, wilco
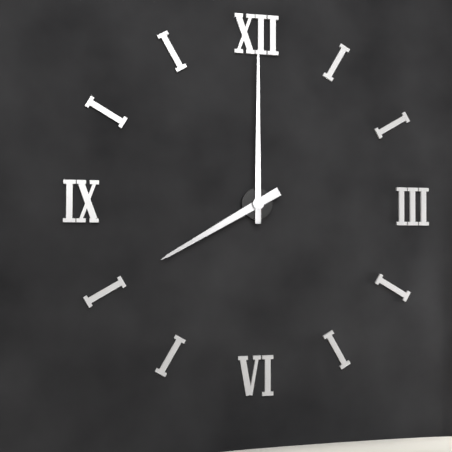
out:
8 h 00 min
